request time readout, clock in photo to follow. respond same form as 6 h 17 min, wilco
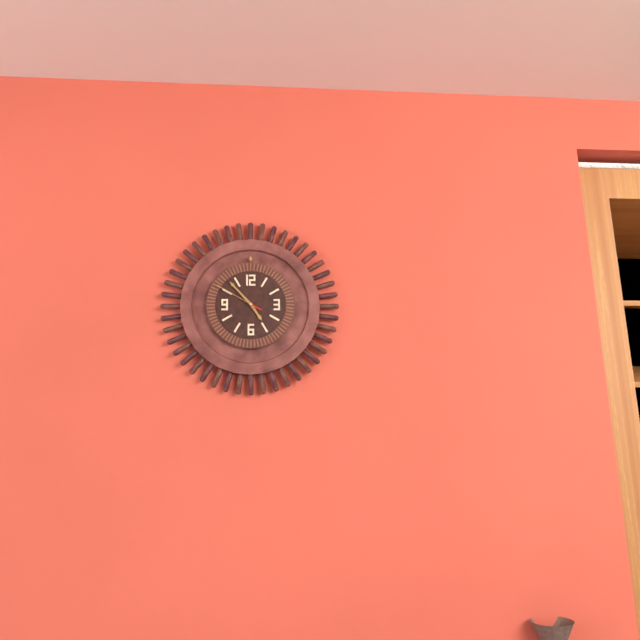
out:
4 h 53 min
